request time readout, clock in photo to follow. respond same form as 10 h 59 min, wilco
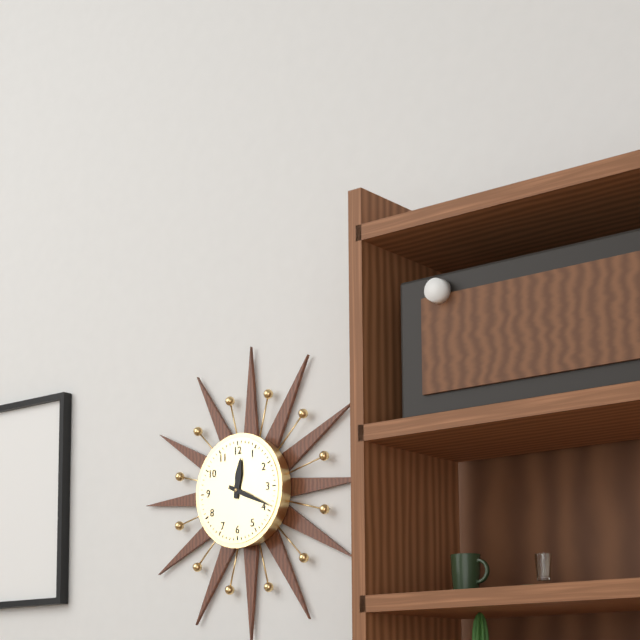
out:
12 h 19 min
